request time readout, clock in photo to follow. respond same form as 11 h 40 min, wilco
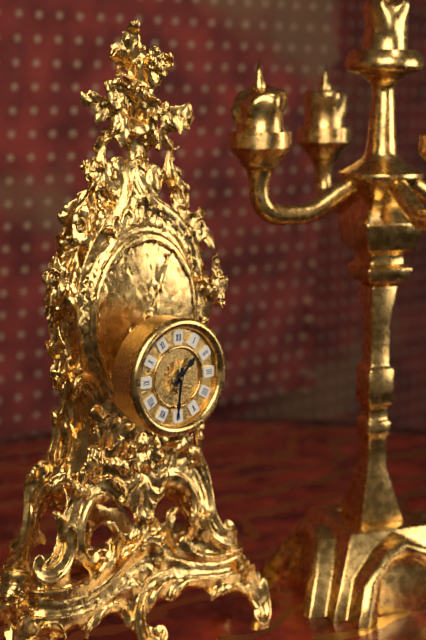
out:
1 h 31 min
